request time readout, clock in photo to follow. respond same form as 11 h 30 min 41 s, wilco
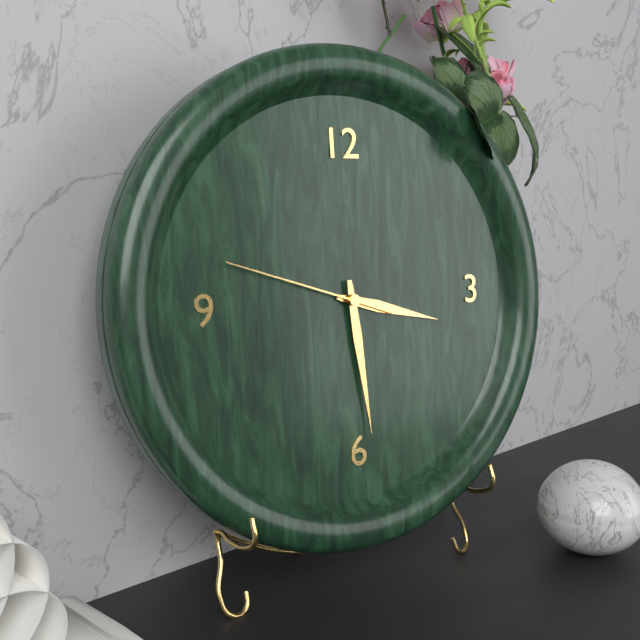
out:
3 h 29 min 48 s
